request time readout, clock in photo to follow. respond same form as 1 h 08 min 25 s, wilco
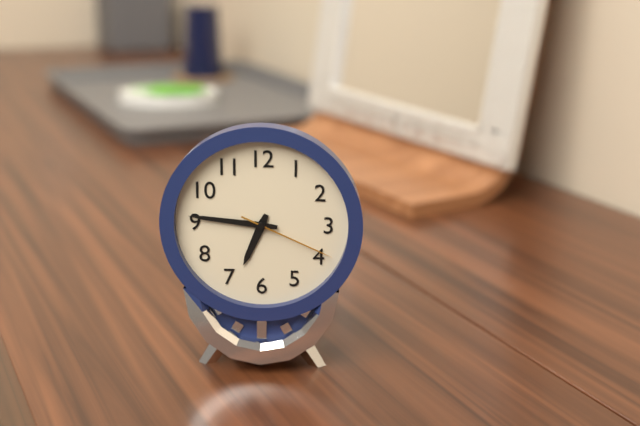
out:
6 h 46 min 19 s
